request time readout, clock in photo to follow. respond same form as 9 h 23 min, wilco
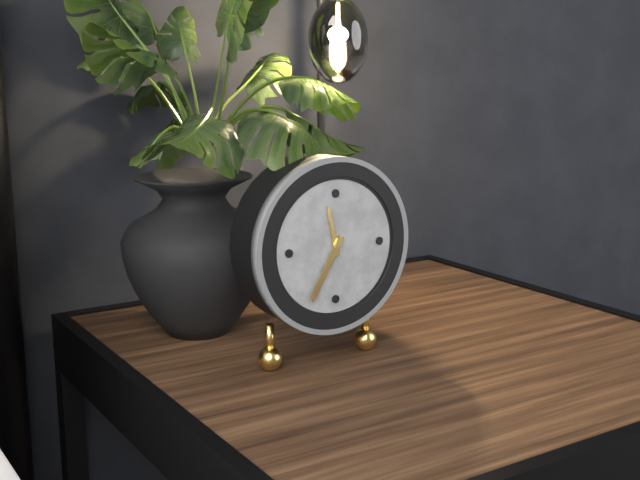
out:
11 h 35 min
